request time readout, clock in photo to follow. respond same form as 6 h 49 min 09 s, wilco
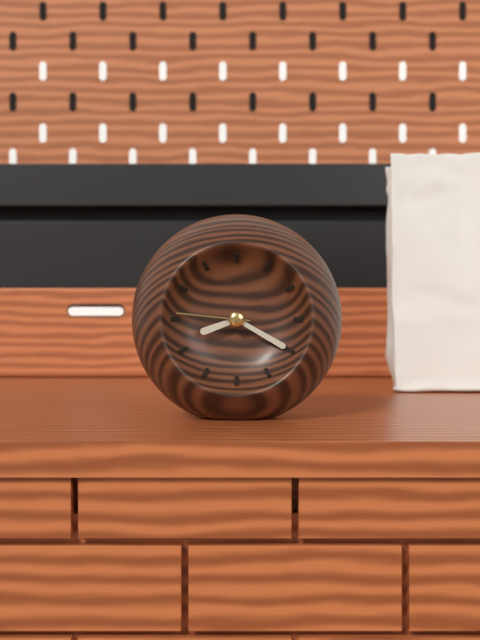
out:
8 h 20 min 46 s
